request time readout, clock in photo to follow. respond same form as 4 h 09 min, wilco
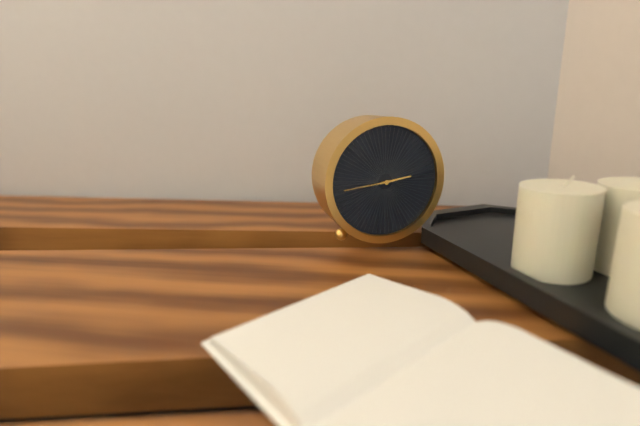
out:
2 h 44 min
